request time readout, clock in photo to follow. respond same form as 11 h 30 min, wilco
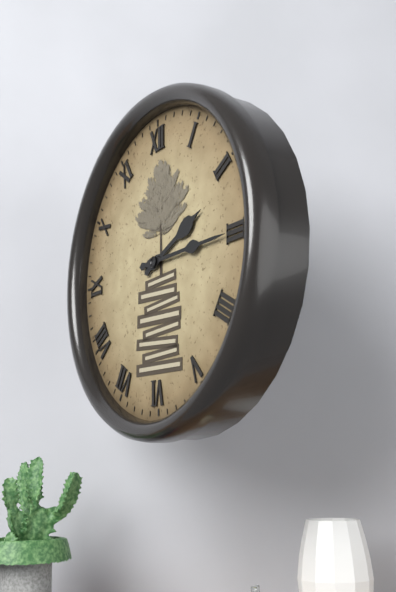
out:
2 h 15 min
